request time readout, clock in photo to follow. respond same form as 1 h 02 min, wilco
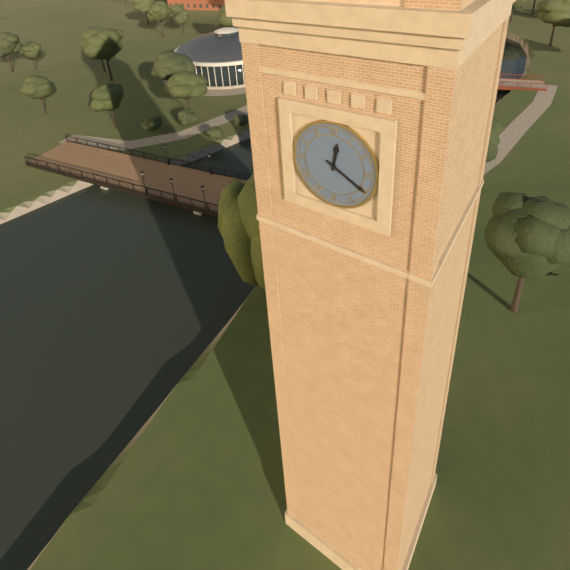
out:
12 h 20 min
